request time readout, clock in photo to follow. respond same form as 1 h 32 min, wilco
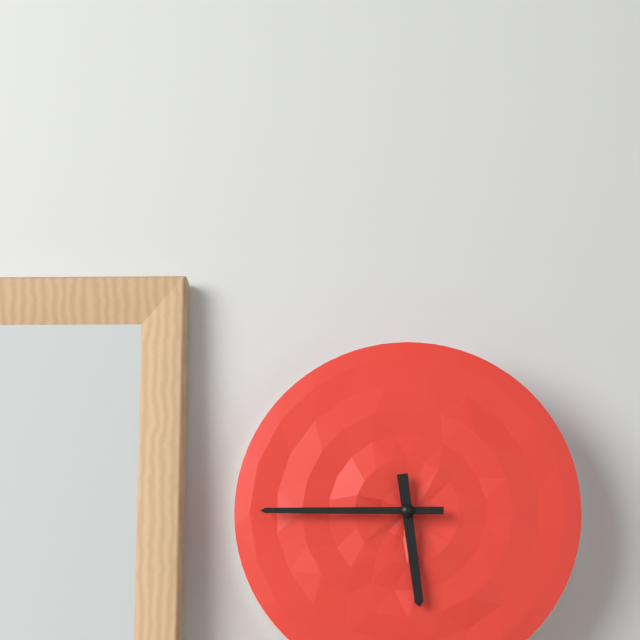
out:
5 h 45 min
